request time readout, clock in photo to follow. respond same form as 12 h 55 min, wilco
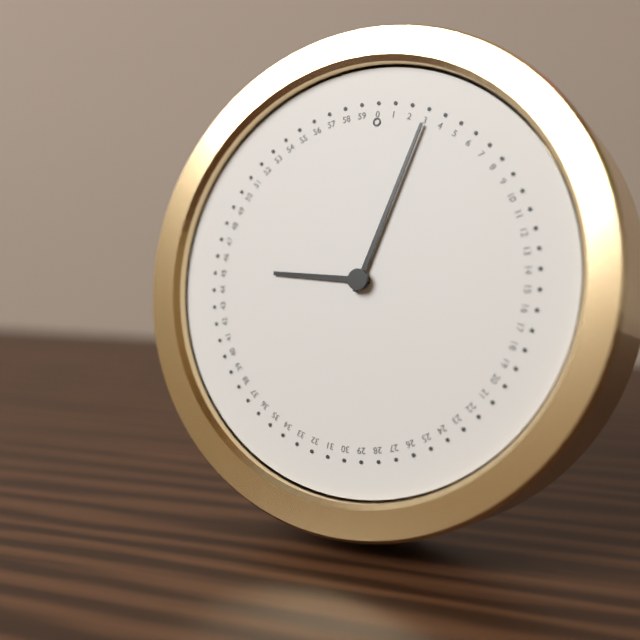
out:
9 h 03 min
